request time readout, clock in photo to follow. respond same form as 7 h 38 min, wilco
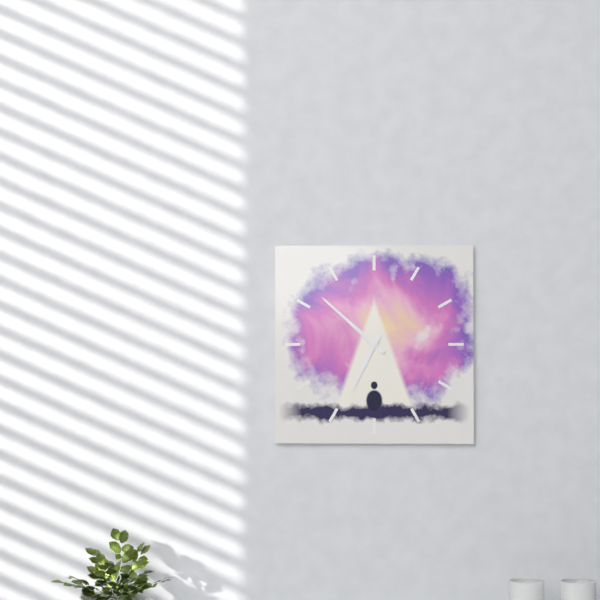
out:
6 h 52 min
